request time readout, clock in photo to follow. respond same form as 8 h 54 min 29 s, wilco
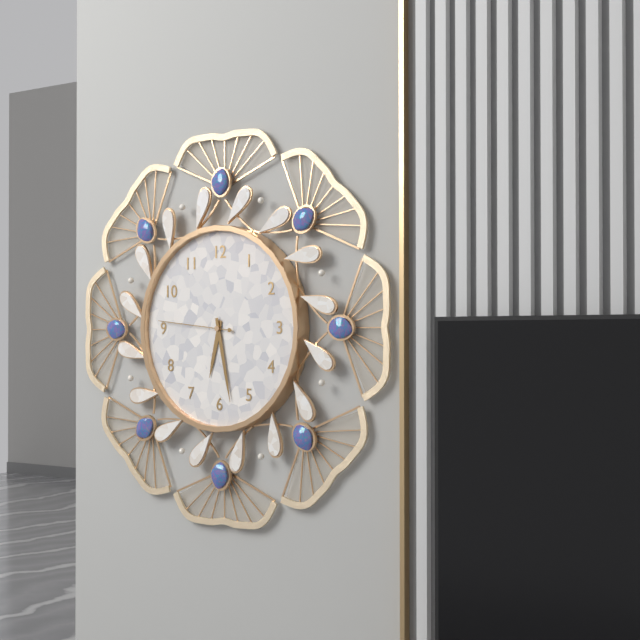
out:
6 h 28 min 46 s
